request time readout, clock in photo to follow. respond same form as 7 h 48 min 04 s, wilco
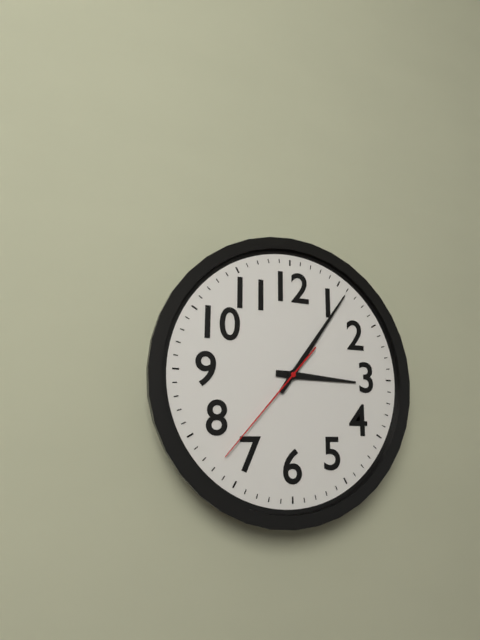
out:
3 h 06 min 37 s
